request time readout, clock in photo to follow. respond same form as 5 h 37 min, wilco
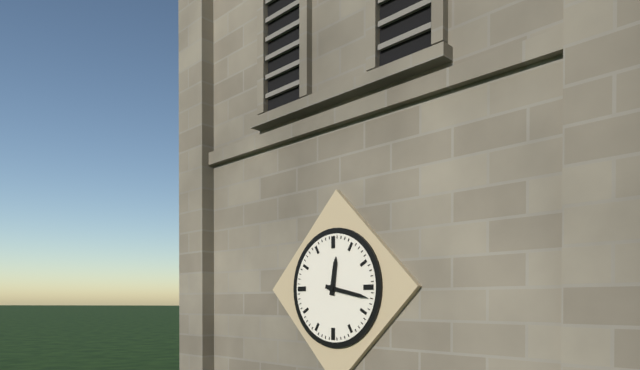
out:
12 h 17 min
